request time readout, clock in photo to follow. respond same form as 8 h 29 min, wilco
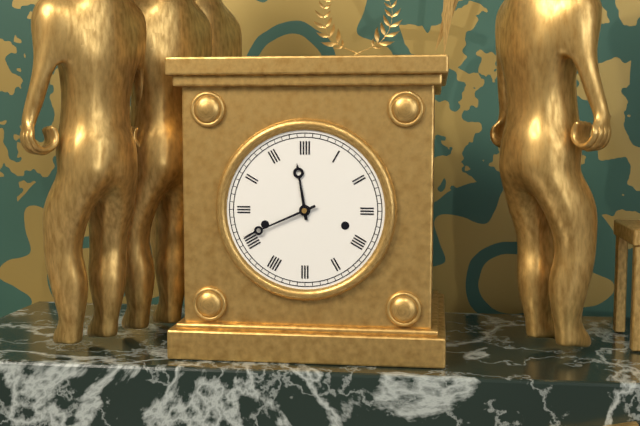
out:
11 h 41 min
